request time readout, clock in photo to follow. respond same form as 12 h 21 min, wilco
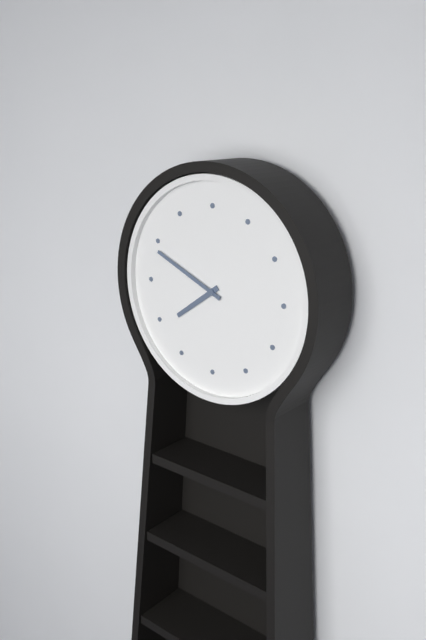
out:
7 h 49 min
